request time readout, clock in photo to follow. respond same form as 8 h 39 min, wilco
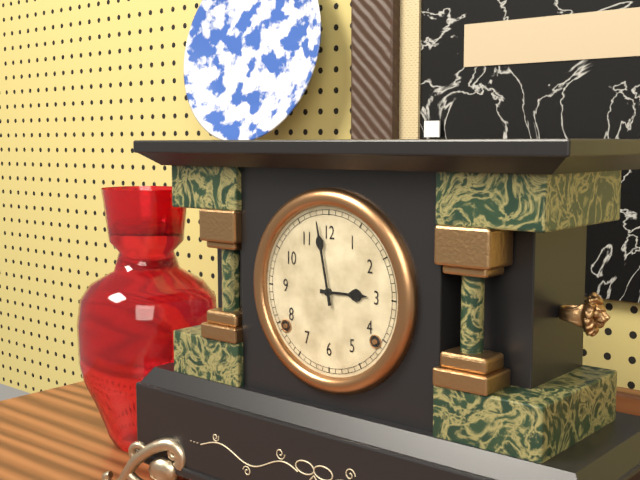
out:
2 h 58 min
